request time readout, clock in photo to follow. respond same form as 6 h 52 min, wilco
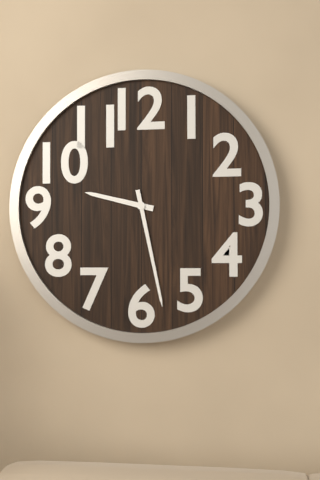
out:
9 h 28 min
